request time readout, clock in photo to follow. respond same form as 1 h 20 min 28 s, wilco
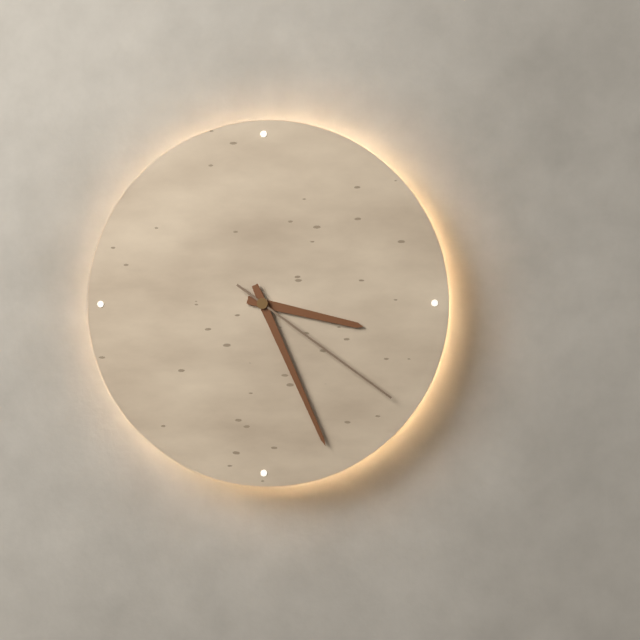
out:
3 h 26 min 21 s
